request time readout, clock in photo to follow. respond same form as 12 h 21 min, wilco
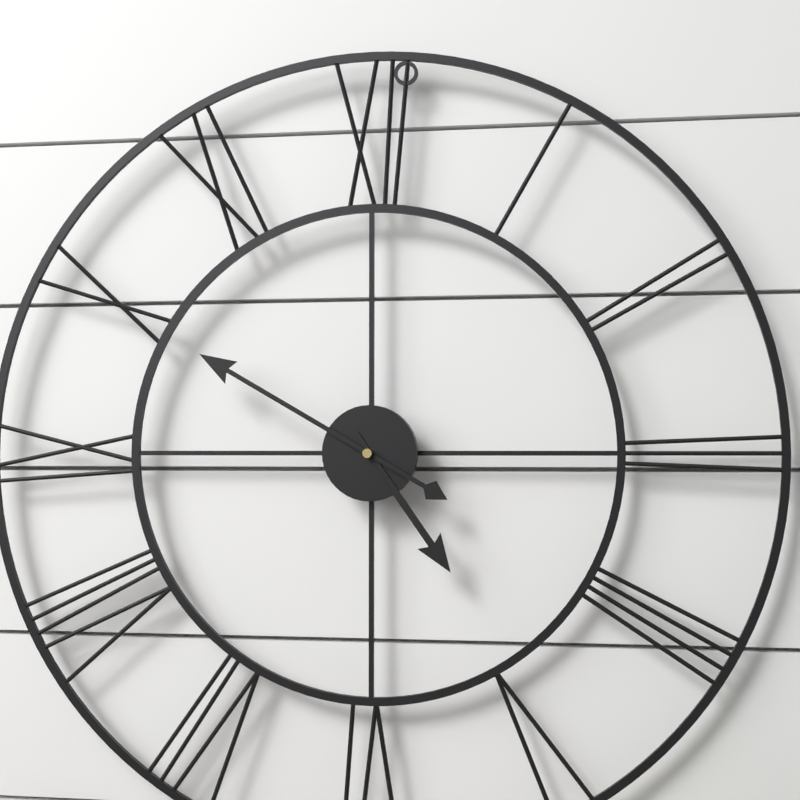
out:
4 h 50 min
